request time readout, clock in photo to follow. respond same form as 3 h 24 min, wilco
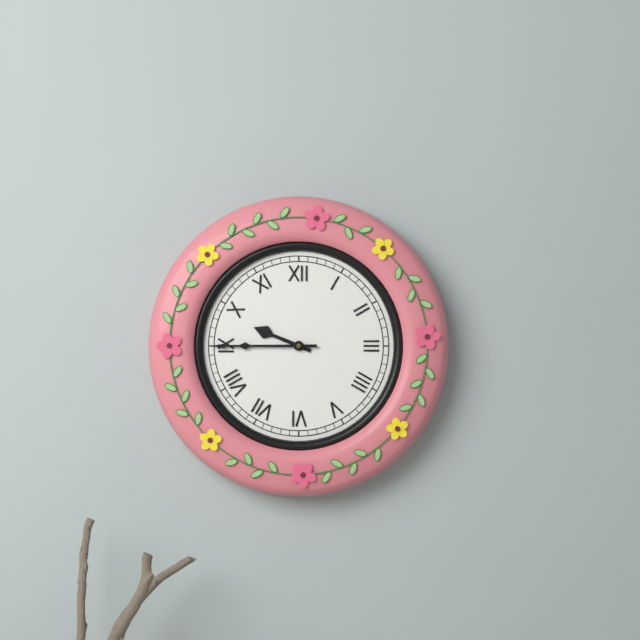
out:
9 h 45 min
